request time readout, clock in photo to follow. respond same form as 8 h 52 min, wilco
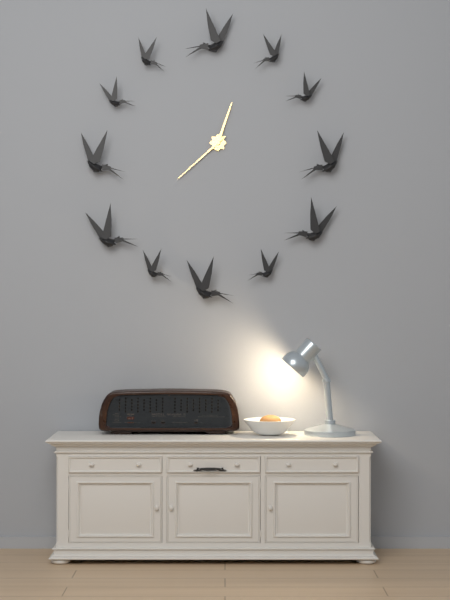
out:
12 h 38 min
